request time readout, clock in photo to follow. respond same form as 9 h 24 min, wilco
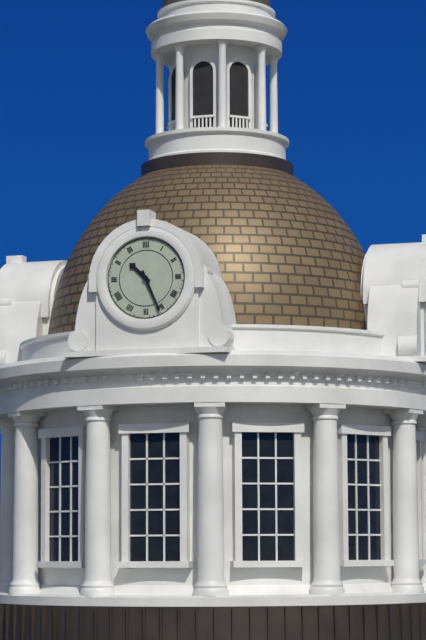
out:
10 h 26 min
